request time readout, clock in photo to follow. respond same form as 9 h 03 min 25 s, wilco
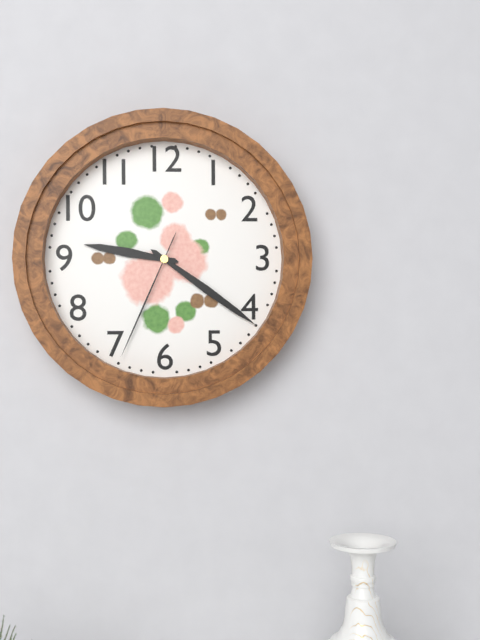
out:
9 h 21 min 34 s
